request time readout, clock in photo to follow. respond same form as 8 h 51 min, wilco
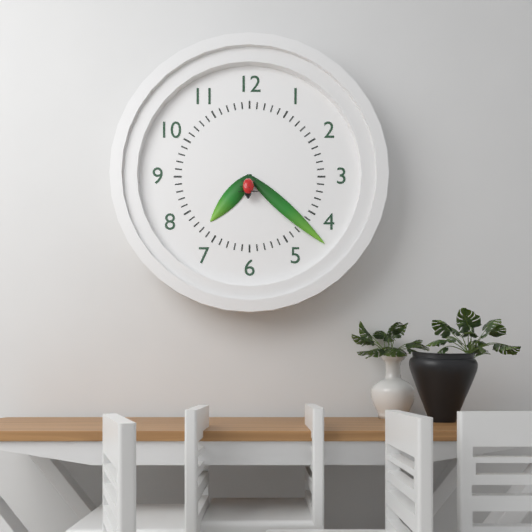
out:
7 h 22 min
